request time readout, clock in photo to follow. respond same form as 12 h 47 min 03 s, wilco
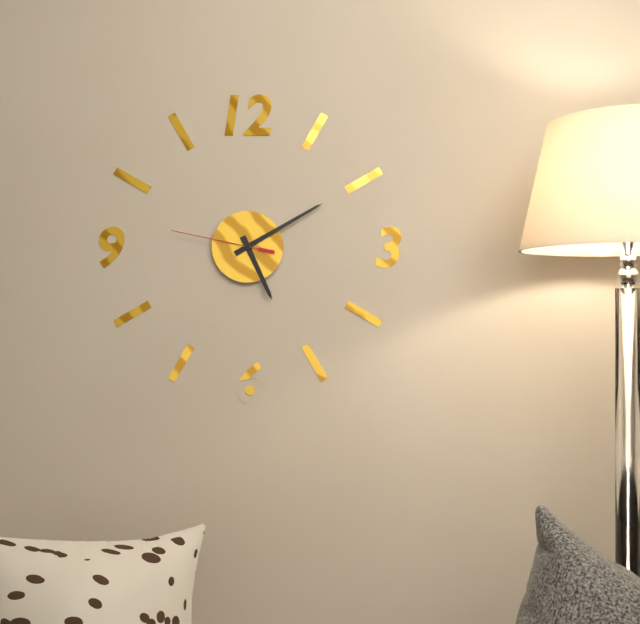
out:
5 h 10 min 47 s
